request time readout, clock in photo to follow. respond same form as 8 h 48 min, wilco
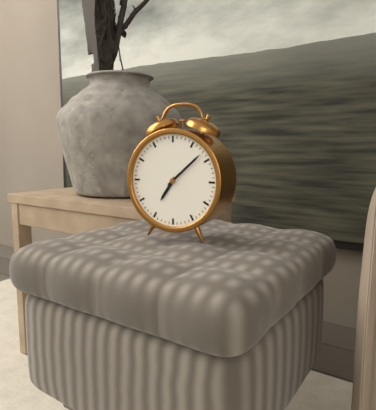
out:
7 h 08 min
